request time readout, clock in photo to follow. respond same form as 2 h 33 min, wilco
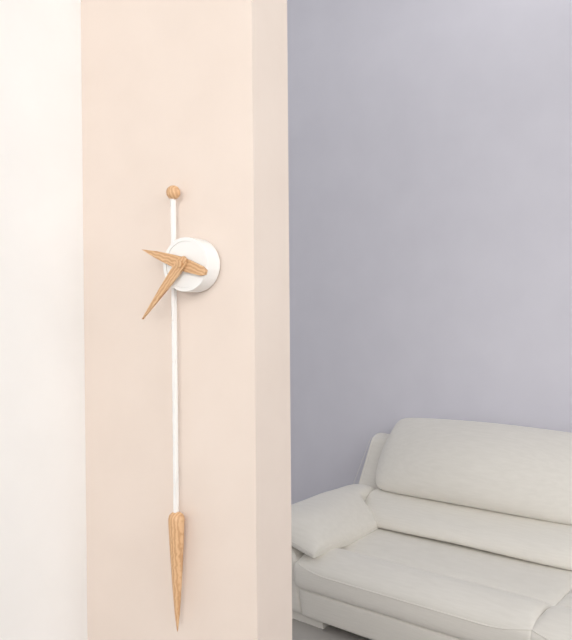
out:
9 h 37 min
